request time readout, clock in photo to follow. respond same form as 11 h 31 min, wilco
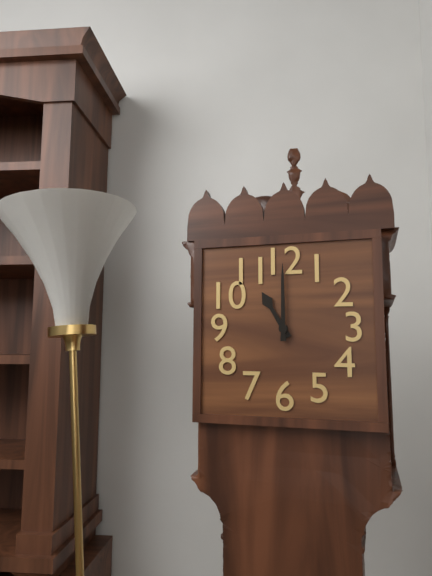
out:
11 h 00 min
